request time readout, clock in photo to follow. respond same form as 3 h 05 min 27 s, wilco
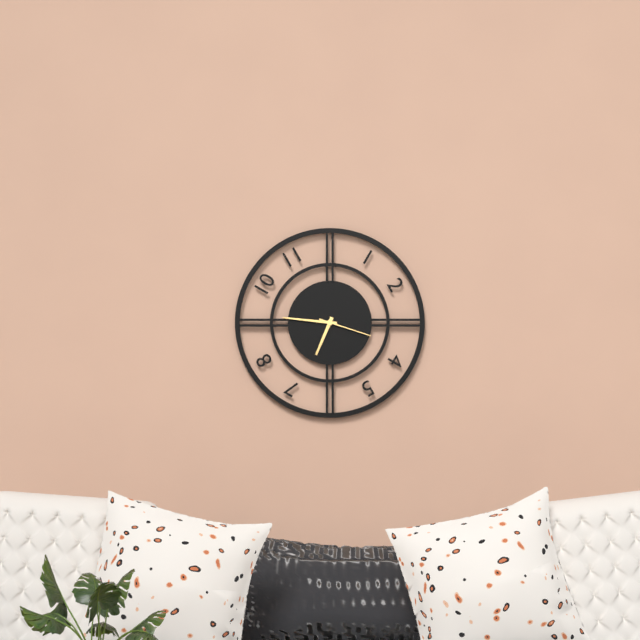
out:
6 h 46 min 18 s
